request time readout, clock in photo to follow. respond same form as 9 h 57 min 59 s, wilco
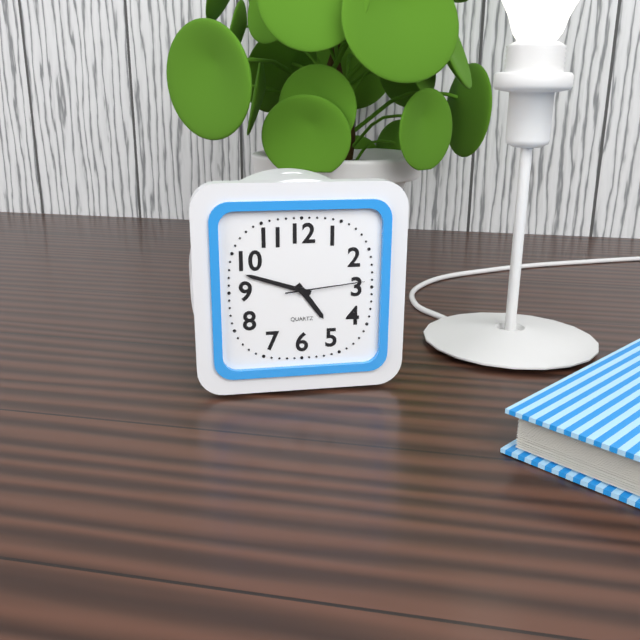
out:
4 h 48 min 14 s
